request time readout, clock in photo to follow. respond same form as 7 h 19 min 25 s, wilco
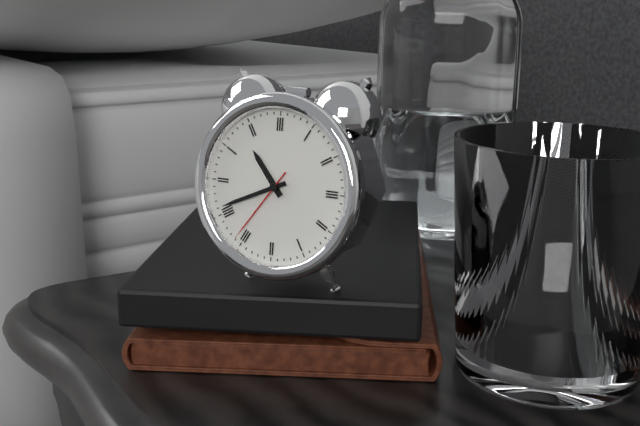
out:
10 h 41 min 36 s
